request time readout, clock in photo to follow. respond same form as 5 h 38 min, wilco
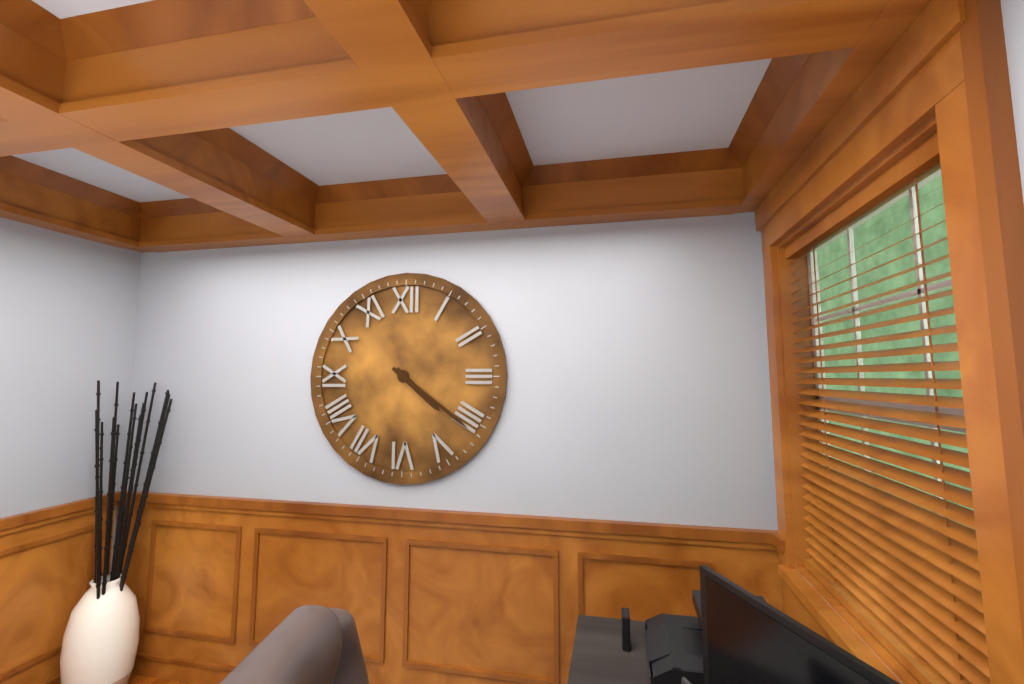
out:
4 h 21 min
